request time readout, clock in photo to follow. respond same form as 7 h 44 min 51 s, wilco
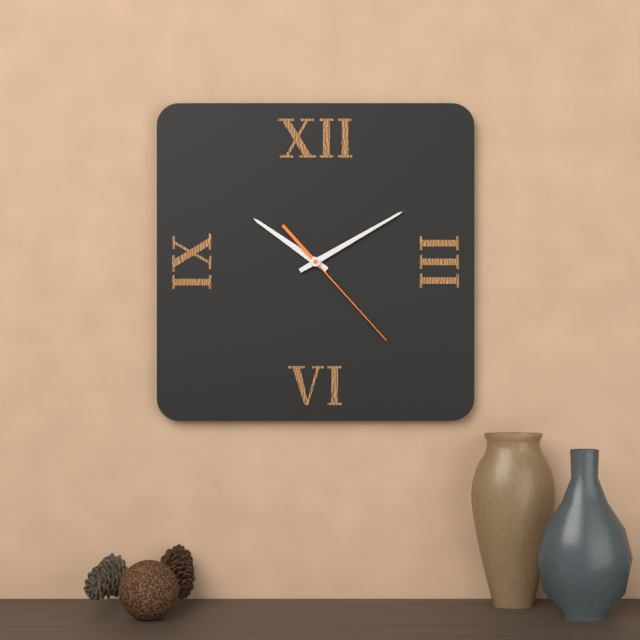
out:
10 h 10 min 23 s
